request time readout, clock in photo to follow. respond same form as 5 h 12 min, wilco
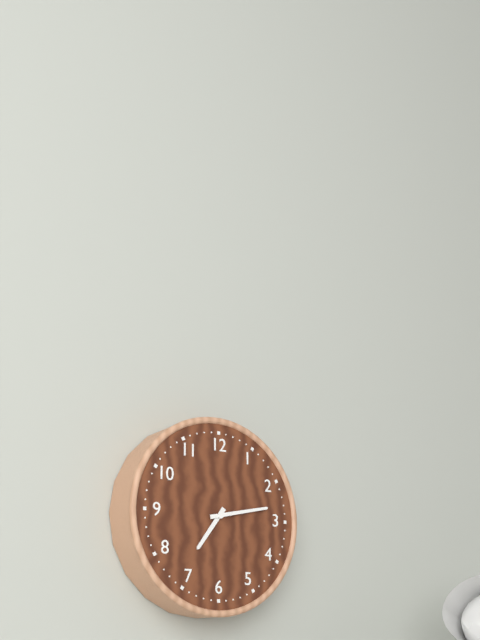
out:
7 h 13 min
